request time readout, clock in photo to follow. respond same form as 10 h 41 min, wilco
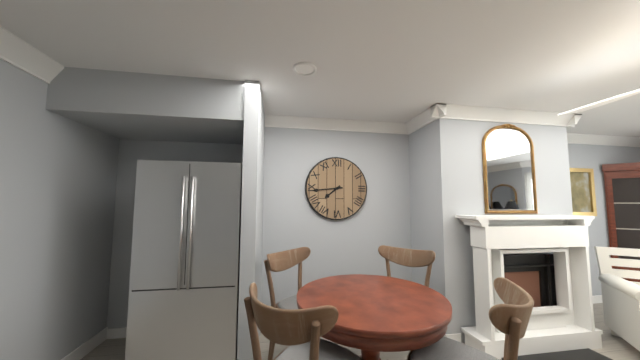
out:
7 h 44 min
